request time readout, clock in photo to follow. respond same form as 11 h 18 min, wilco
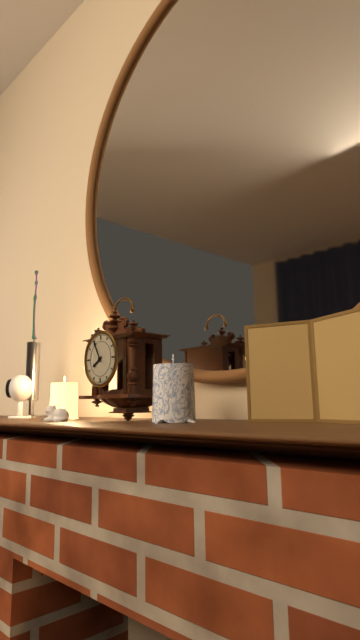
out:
7 h 55 min
